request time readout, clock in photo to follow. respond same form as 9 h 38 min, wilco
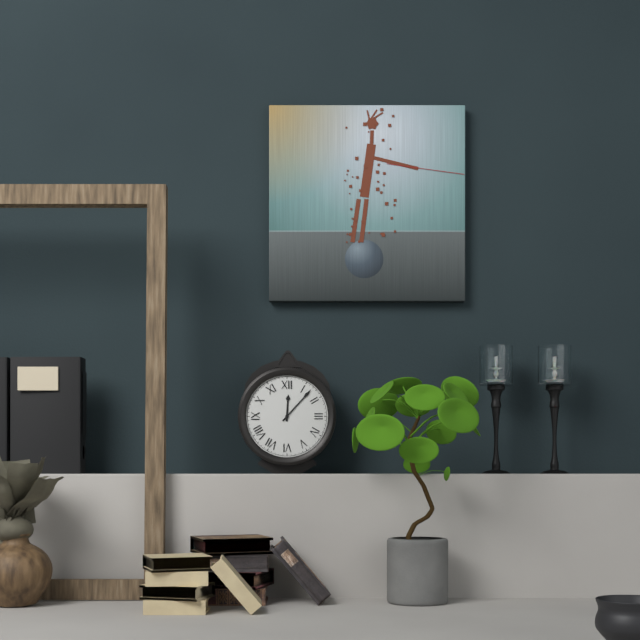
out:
12 h 07 min
